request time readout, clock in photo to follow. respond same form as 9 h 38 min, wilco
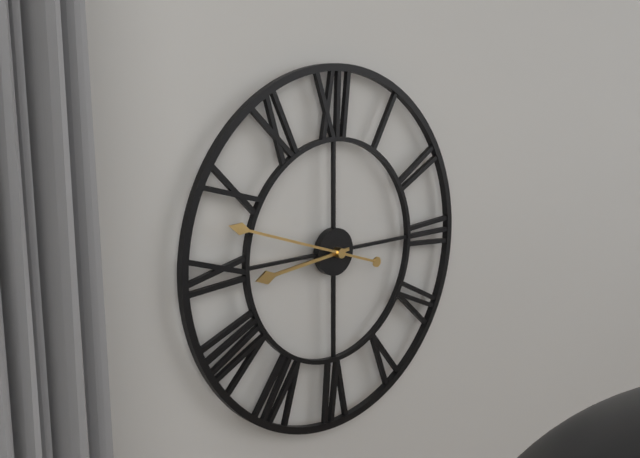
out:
8 h 48 min
